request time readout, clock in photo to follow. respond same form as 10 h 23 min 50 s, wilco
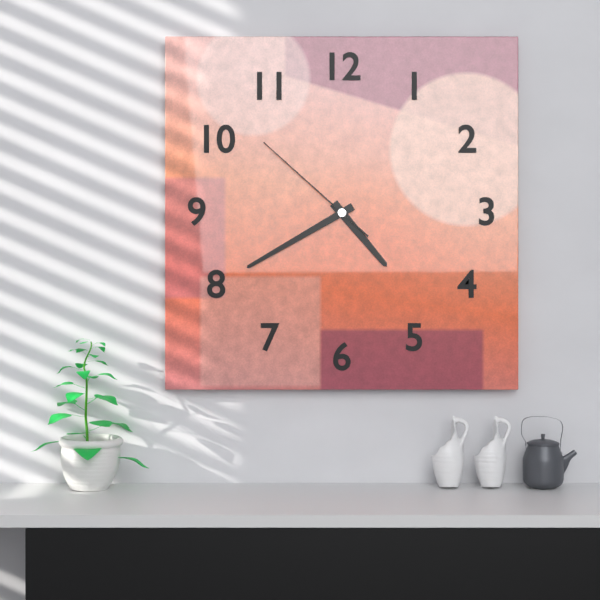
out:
4 h 40 min 52 s
